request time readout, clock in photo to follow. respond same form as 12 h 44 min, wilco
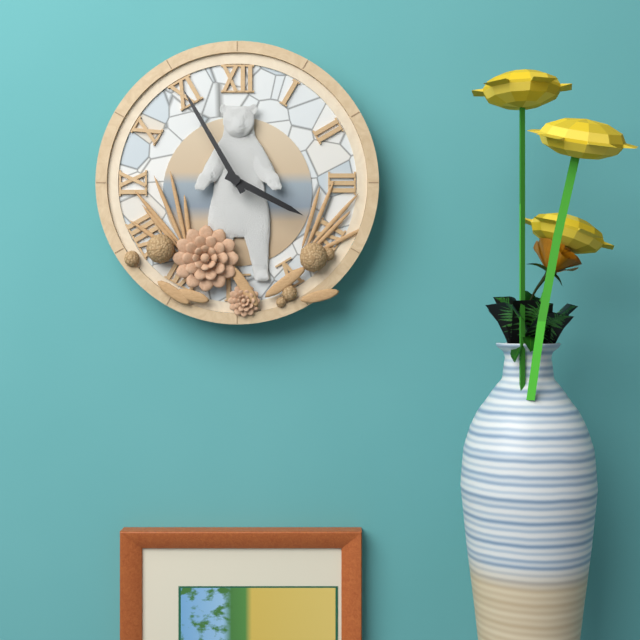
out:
3 h 55 min
